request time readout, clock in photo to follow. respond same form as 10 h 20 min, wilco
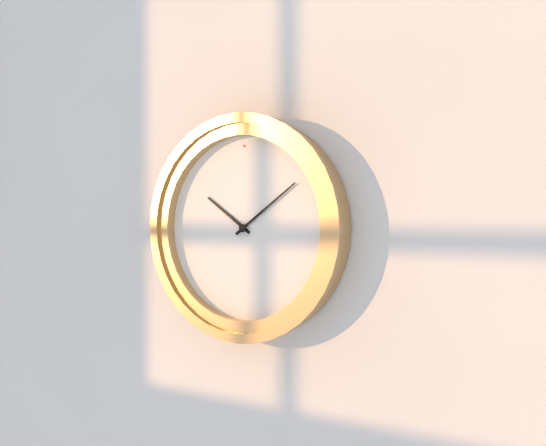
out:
10 h 09 min
